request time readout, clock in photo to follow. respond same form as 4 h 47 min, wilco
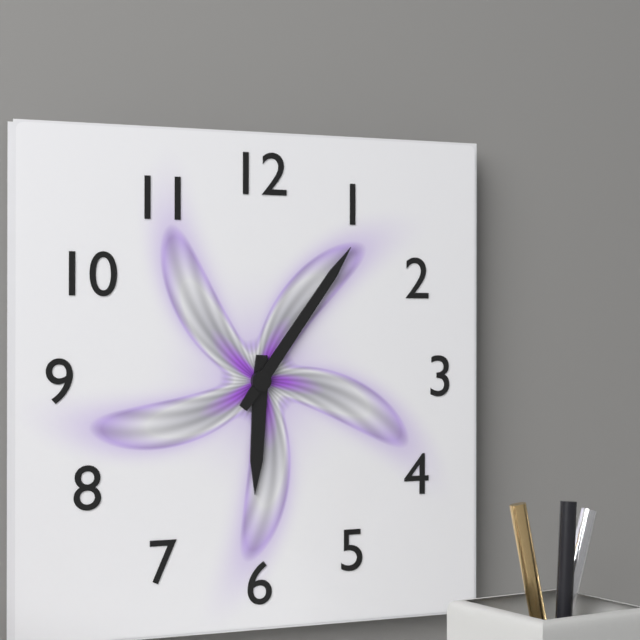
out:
6 h 06 min
